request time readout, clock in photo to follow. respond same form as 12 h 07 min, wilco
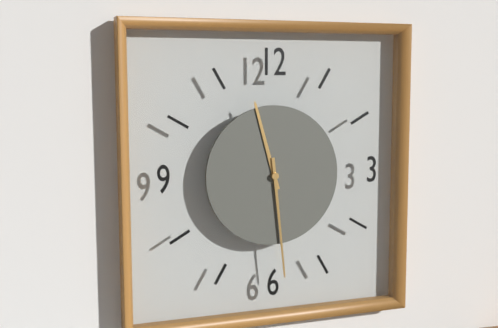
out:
11 h 29 min
